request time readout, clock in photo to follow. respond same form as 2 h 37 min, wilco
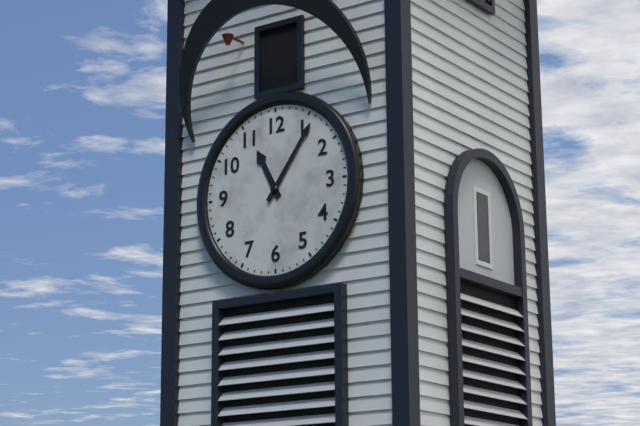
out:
11 h 06 min
